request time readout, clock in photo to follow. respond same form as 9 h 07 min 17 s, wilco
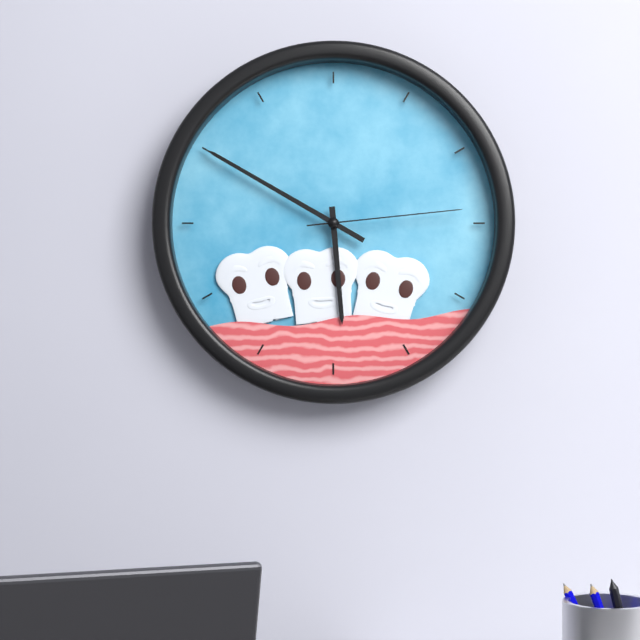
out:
5 h 50 min 14 s
